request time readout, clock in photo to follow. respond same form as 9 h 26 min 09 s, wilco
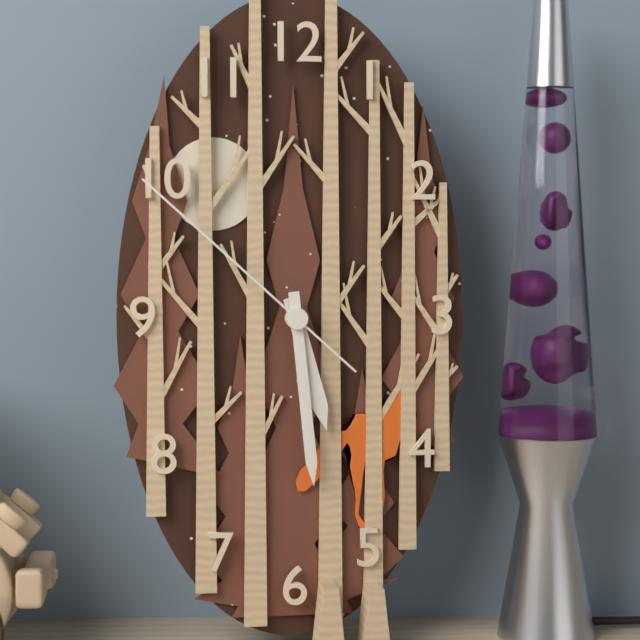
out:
5 h 29 min 52 s
